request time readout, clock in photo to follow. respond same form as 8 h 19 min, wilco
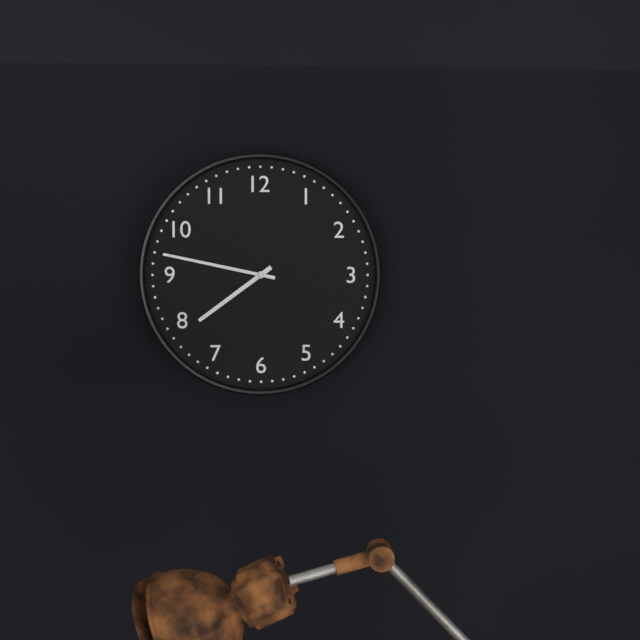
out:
7 h 47 min
